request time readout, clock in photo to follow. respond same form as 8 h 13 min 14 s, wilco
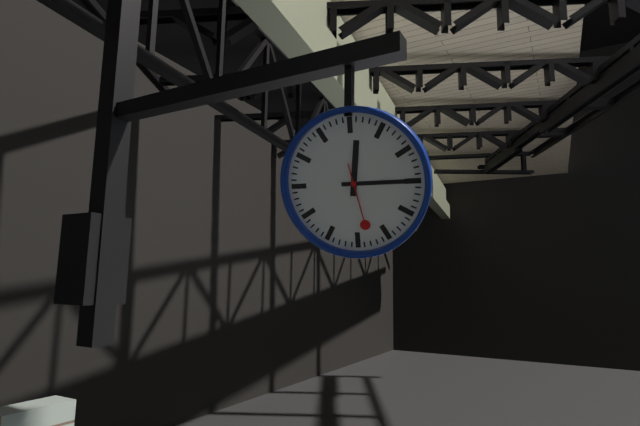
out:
12 h 15 min 28 s
